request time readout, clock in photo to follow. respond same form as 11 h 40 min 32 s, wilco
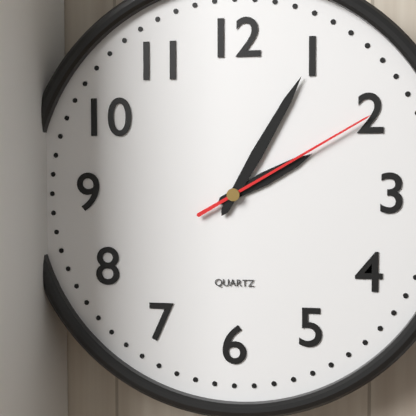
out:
2 h 05 min 10 s
